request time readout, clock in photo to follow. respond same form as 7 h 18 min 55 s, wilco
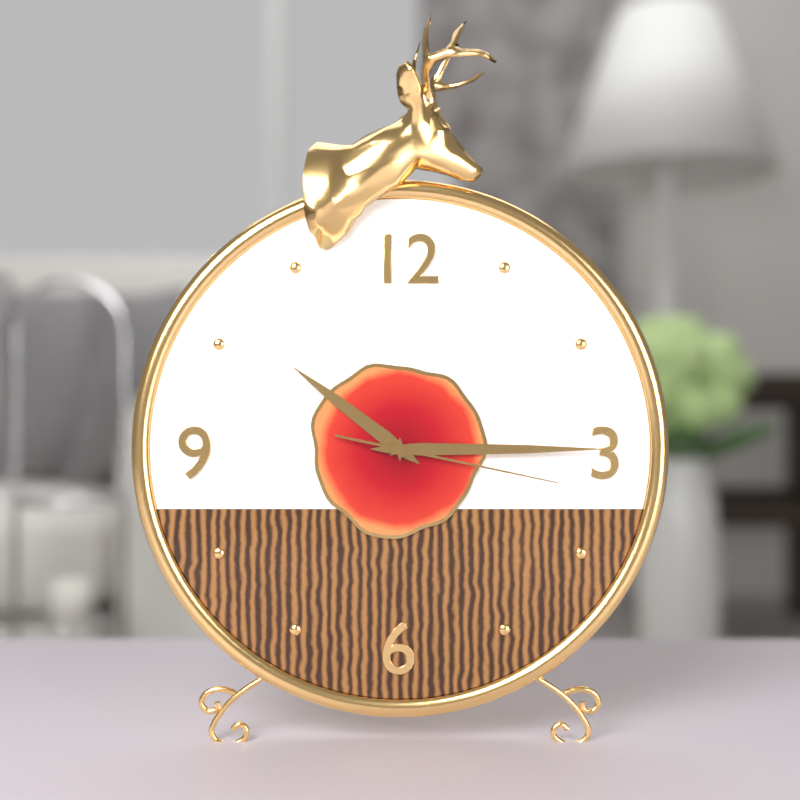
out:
10 h 15 min 17 s
